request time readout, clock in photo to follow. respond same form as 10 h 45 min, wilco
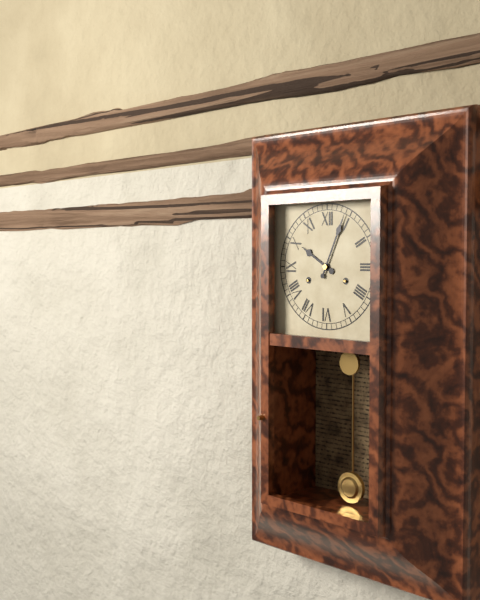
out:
10 h 04 min
